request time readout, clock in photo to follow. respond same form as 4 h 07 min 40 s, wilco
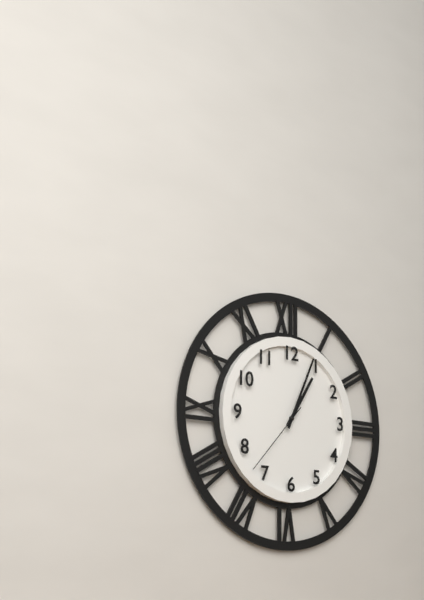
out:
1 h 04 min 37 s
